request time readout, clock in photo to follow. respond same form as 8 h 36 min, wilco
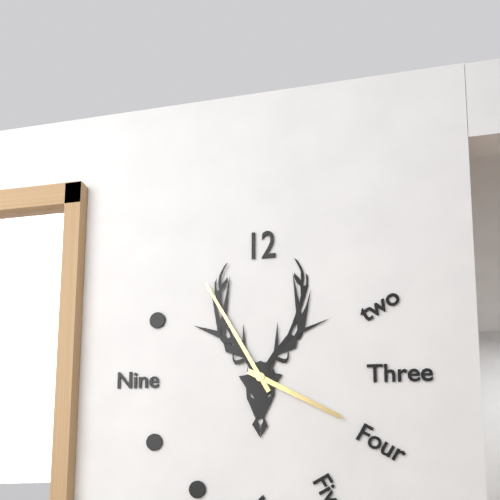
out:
3 h 55 min
